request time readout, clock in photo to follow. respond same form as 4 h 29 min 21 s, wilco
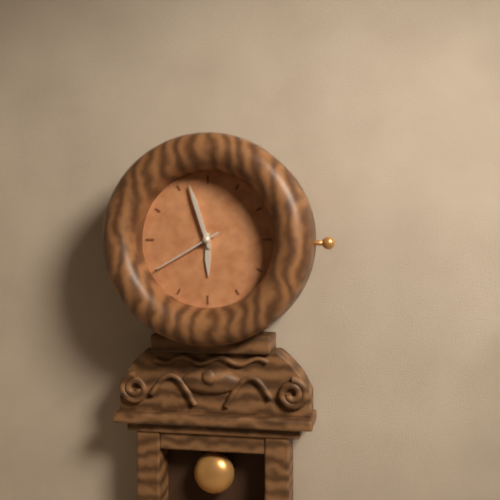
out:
5 h 57 min 40 s
